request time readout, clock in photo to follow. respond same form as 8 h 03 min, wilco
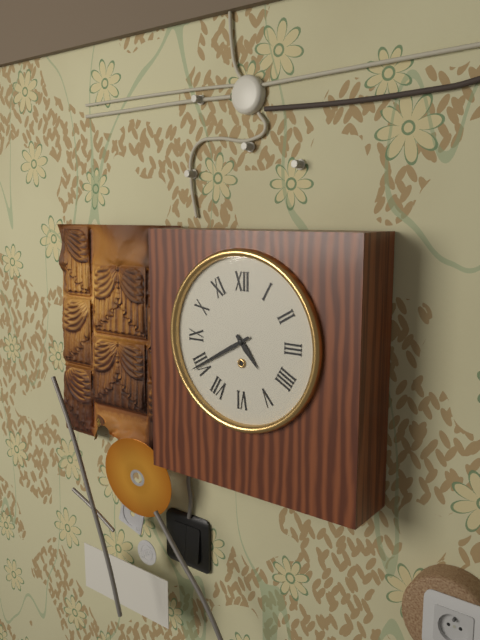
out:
4 h 40 min
